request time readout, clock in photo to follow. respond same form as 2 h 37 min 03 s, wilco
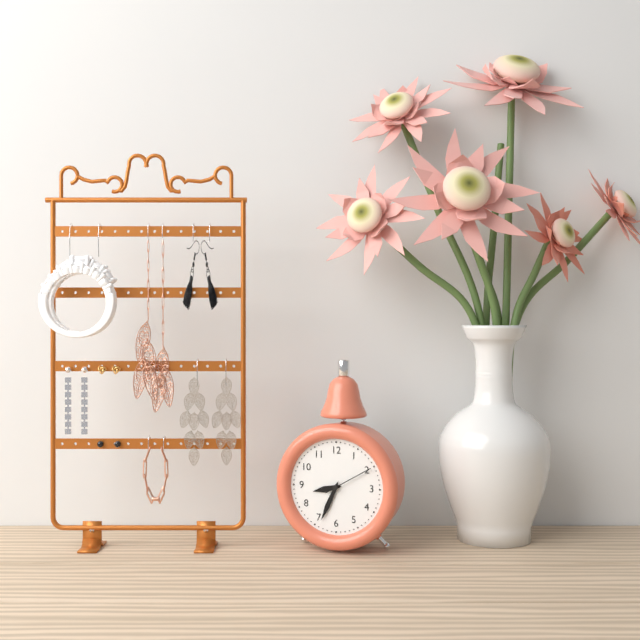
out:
8 h 34 min 10 s
